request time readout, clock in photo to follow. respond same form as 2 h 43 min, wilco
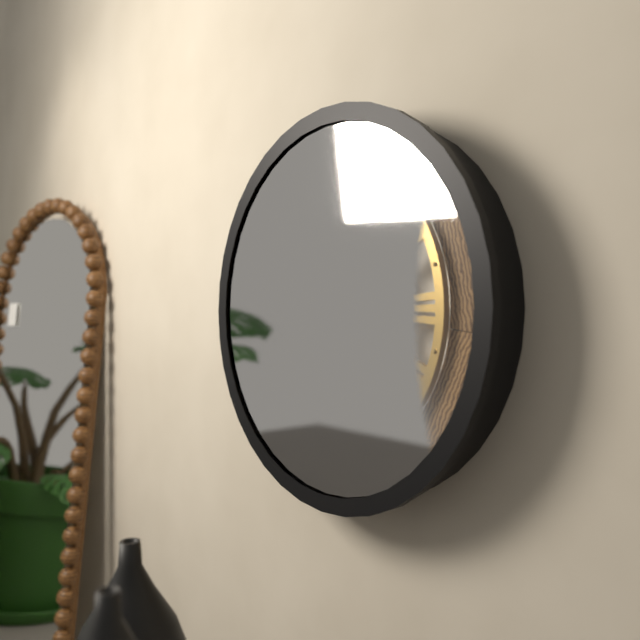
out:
4 h 35 min
